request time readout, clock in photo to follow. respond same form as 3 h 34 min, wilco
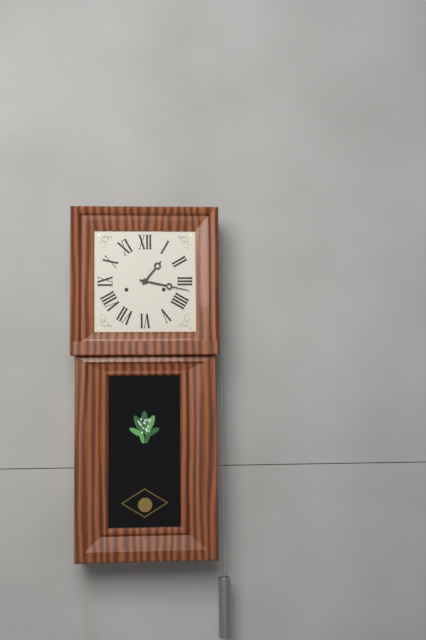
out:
1 h 17 min
